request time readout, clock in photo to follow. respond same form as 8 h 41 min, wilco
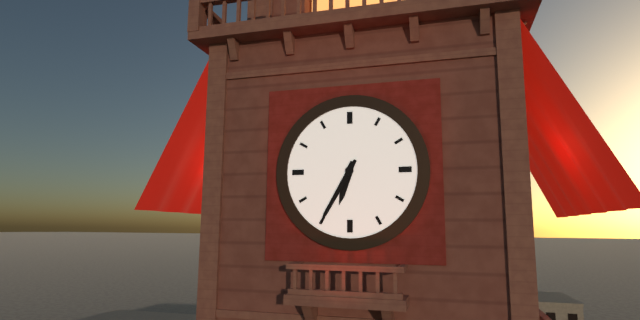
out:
6 h 35 min
